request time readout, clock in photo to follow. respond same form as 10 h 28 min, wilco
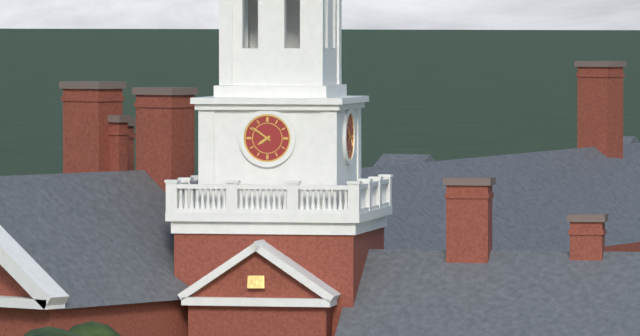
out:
7 h 51 min
